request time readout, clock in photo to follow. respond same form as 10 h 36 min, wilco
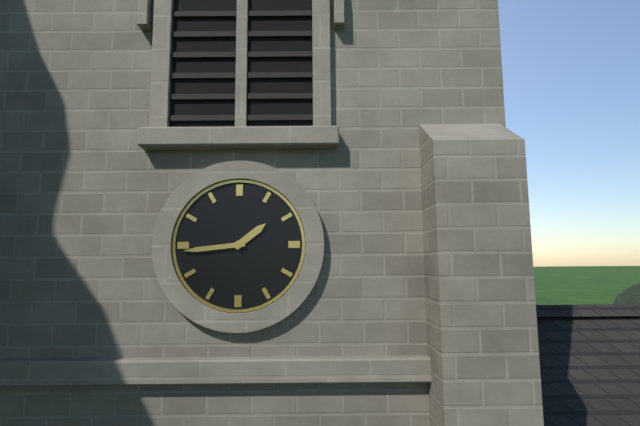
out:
1 h 44 min
